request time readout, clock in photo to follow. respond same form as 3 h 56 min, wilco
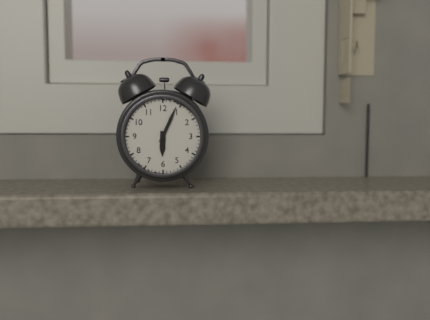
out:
6 h 04 min
